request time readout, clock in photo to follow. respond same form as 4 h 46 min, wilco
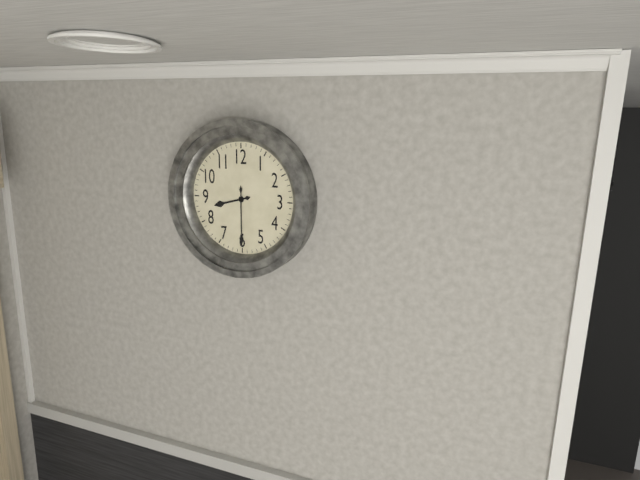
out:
8 h 30 min
